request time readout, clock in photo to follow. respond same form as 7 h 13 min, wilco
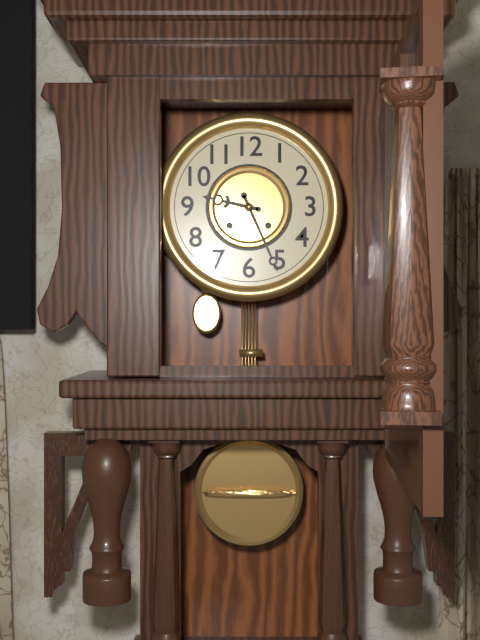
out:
9 h 26 min
